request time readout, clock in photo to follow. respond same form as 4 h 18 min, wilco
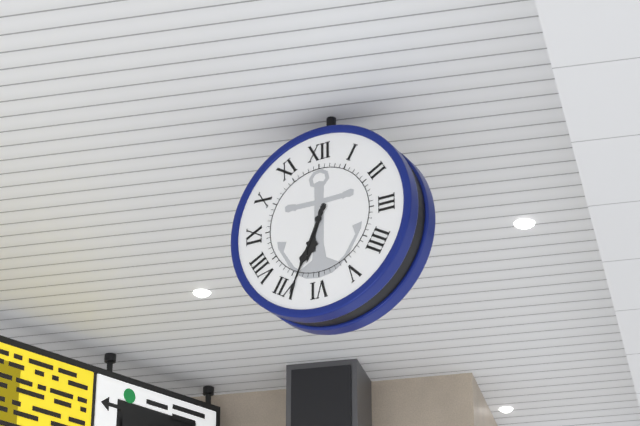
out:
6 h 34 min
